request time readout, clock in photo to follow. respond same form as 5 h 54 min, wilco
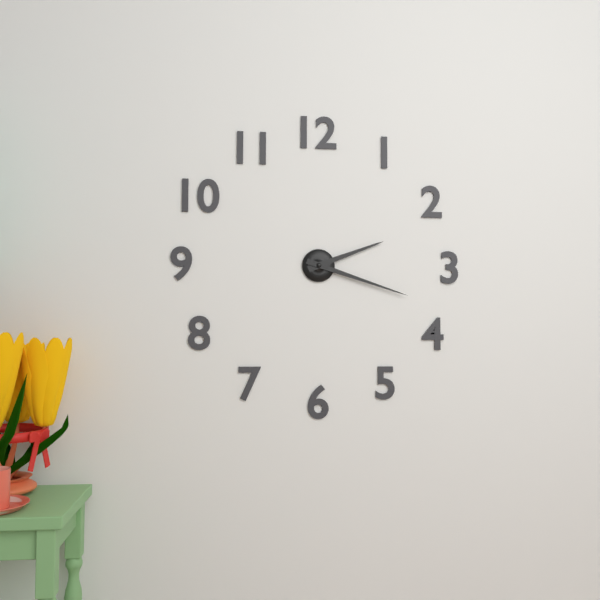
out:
2 h 18 min
